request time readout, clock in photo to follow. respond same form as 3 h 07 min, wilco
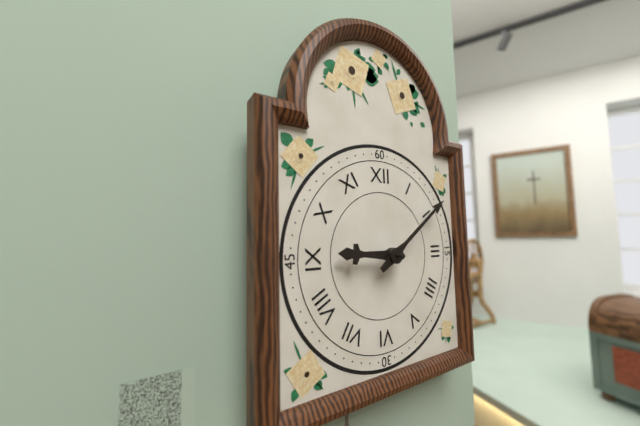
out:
9 h 09 min
